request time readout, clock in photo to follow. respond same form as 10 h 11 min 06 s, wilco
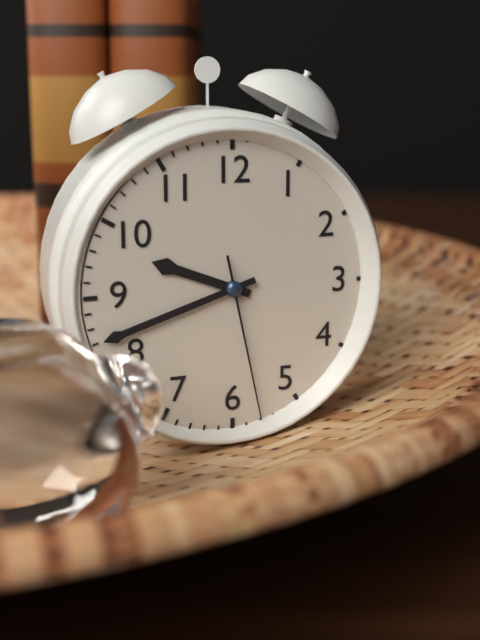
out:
9 h 42 min 28 s
